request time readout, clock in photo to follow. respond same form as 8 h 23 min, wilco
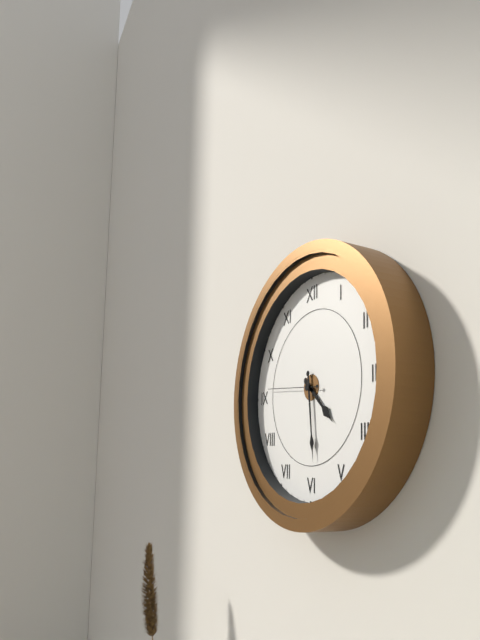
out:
4 h 29 min
